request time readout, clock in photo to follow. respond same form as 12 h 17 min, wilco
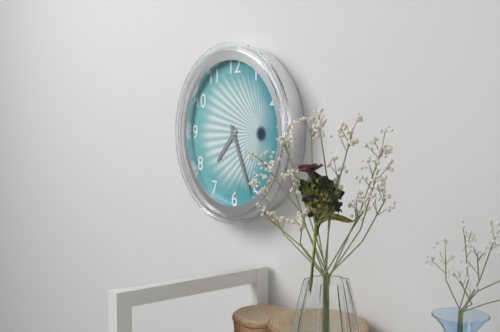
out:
7 h 26 min
